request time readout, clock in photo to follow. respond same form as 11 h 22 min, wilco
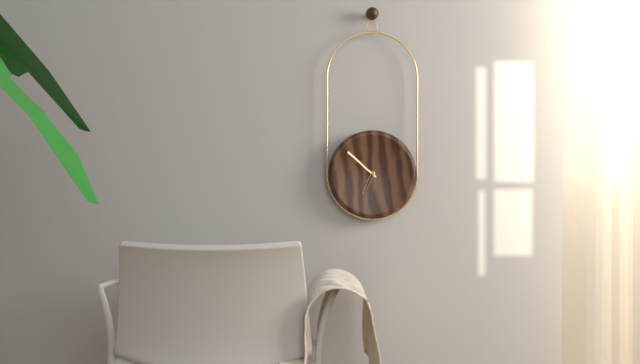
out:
6 h 52 min
